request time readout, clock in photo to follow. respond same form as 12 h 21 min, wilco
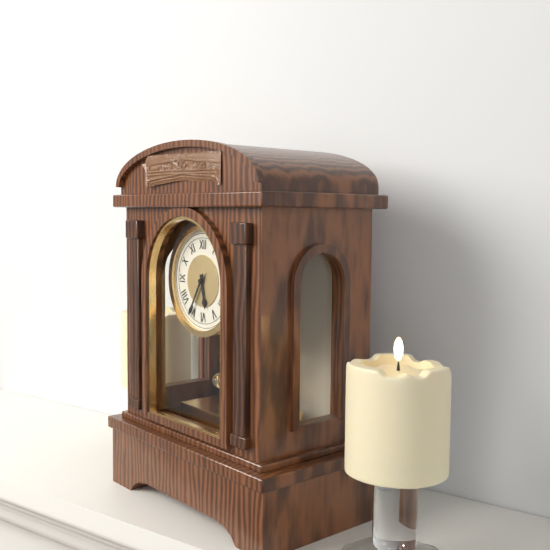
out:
5 h 35 min
